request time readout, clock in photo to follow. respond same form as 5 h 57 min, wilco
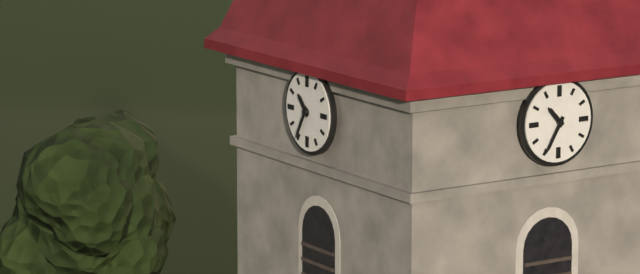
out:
10 h 35 min
